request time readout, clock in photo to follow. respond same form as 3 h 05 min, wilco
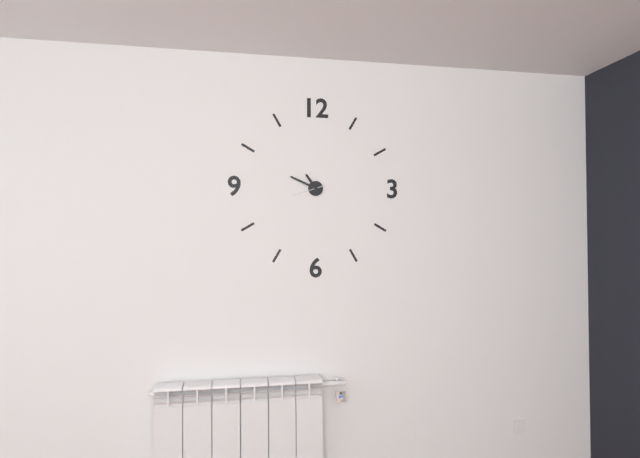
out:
10 h 49 min
